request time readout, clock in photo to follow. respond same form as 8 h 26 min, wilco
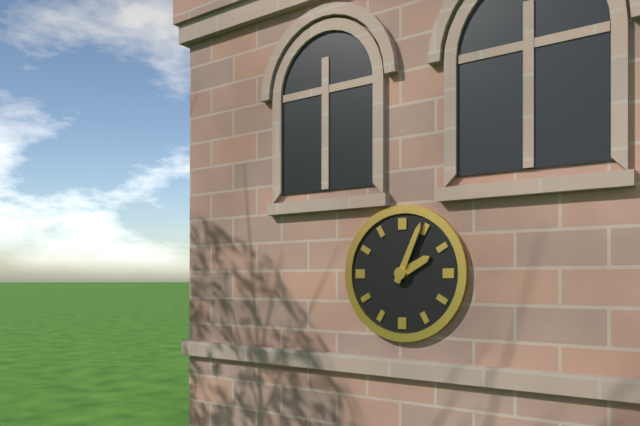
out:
2 h 04 min
